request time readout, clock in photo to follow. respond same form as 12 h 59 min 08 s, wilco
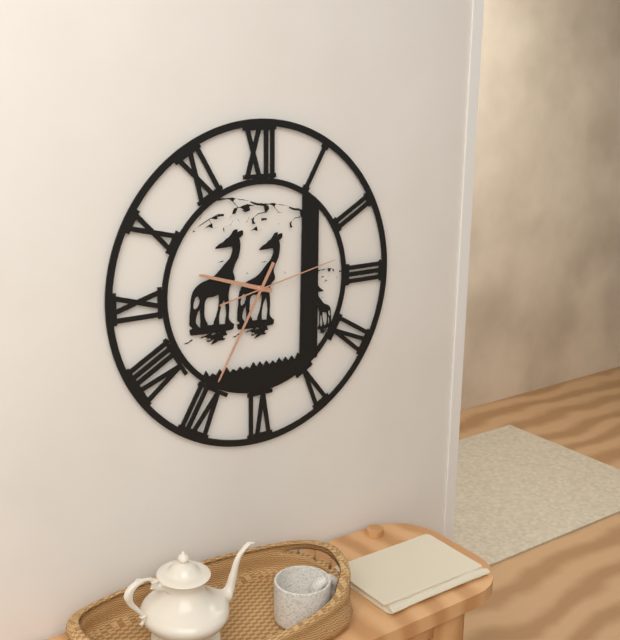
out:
9 h 35 min 13 s
